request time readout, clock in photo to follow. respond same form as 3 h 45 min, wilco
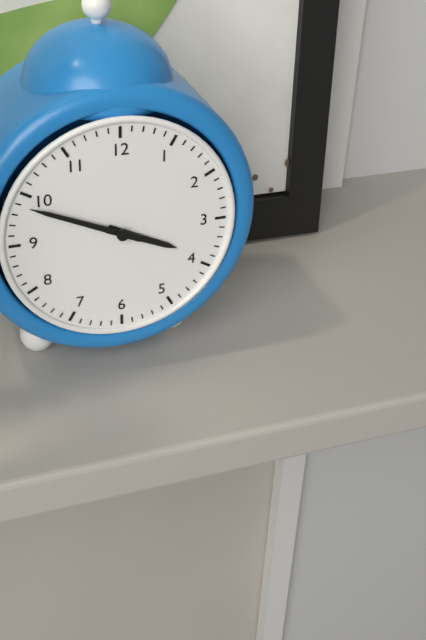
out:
3 h 49 min
